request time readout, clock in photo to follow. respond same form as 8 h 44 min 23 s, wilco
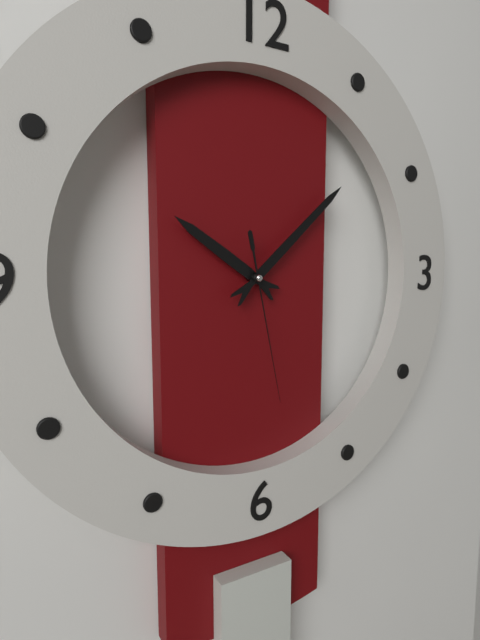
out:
10 h 08 min 28 s
